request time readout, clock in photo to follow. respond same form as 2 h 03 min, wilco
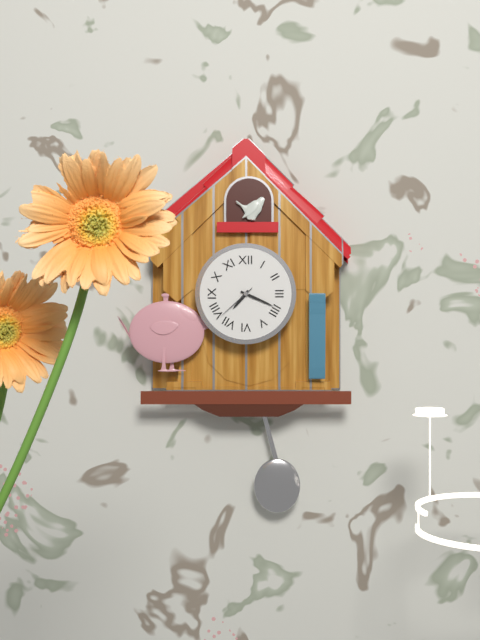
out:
7 h 19 min
